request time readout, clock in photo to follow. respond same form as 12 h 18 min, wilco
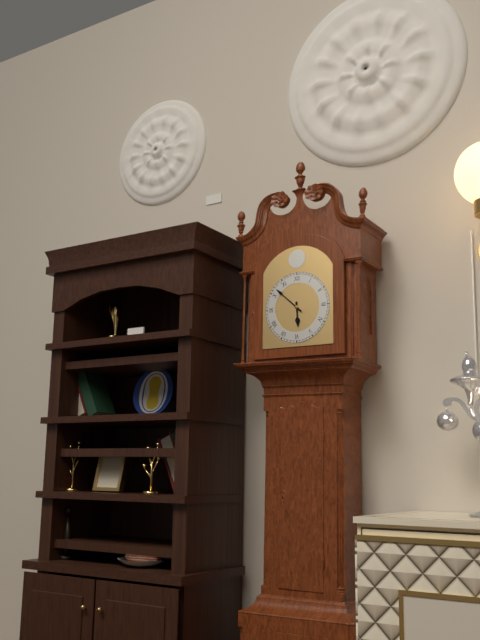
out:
5 h 52 min
